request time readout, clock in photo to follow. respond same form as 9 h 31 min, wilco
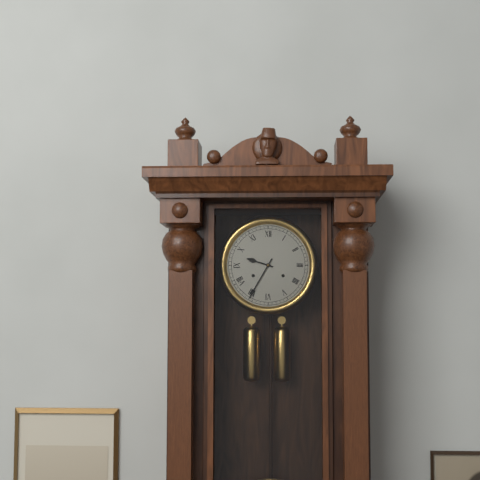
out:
9 h 35 min
